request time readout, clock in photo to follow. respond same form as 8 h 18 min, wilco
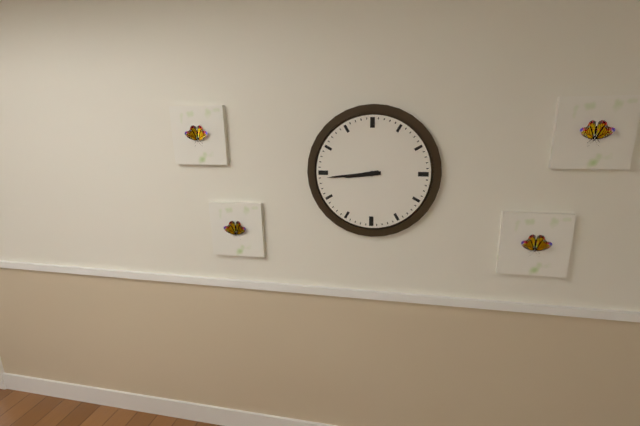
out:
8 h 44 min
